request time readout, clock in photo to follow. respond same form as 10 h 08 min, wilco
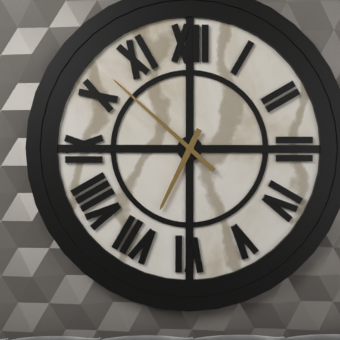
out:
6 h 52 min
